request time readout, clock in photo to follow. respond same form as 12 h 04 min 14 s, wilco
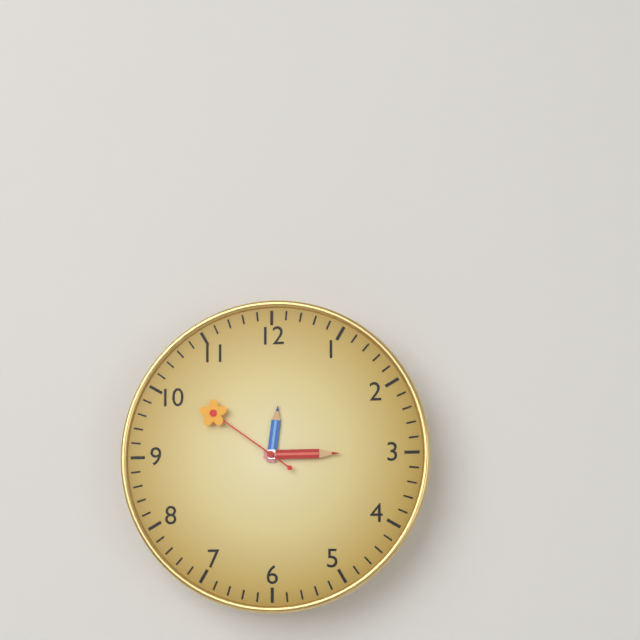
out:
12 h 15 min 51 s
